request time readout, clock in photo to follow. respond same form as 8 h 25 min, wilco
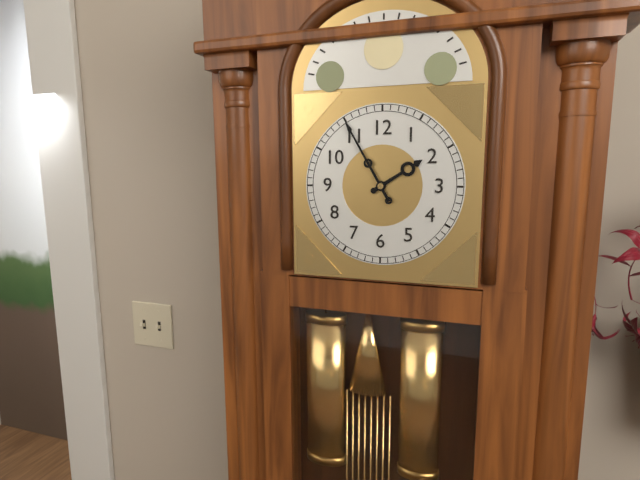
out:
1 h 55 min
